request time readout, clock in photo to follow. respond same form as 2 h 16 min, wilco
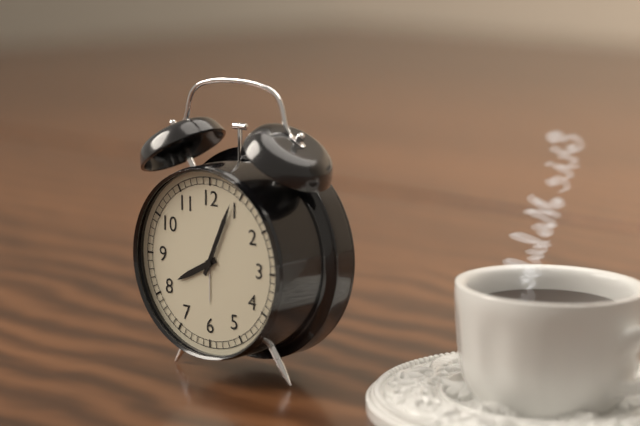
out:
8 h 04 min
